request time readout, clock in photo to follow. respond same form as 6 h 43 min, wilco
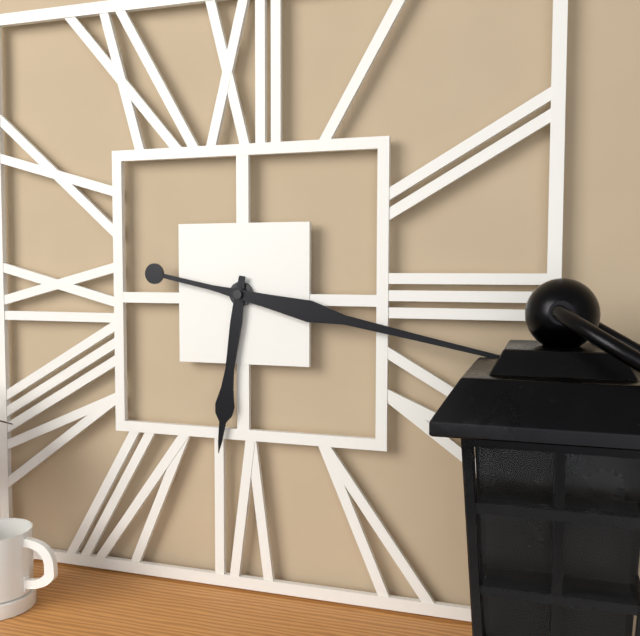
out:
6 h 17 min
